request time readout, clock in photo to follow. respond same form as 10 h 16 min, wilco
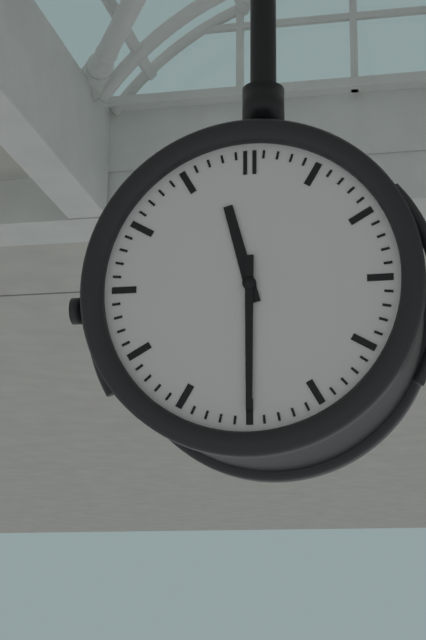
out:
11 h 30 min
